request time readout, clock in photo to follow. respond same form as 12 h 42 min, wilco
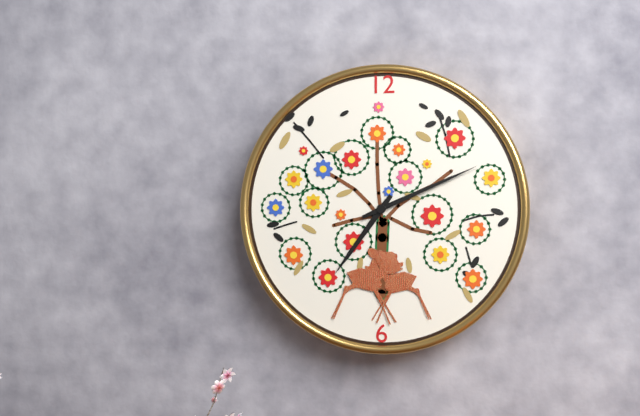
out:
7 h 11 min
